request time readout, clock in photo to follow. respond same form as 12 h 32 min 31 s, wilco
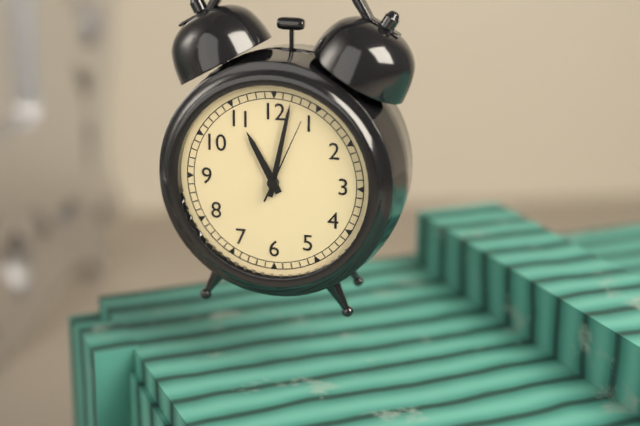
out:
11 h 02 min 04 s
